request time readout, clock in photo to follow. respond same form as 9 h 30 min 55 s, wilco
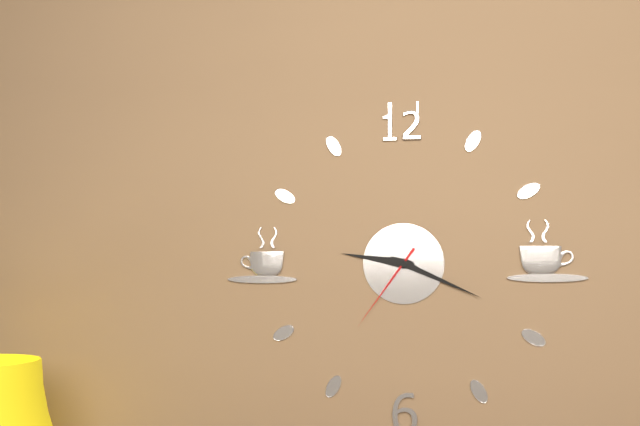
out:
9 h 19 min 36 s
